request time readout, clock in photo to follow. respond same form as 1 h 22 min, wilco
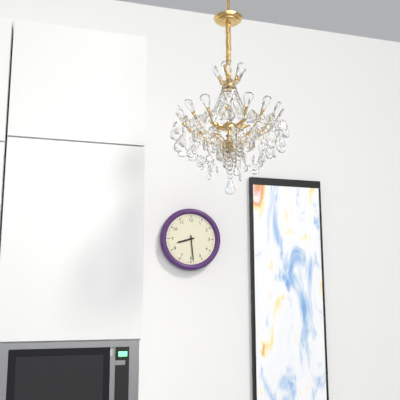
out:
8 h 29 min
